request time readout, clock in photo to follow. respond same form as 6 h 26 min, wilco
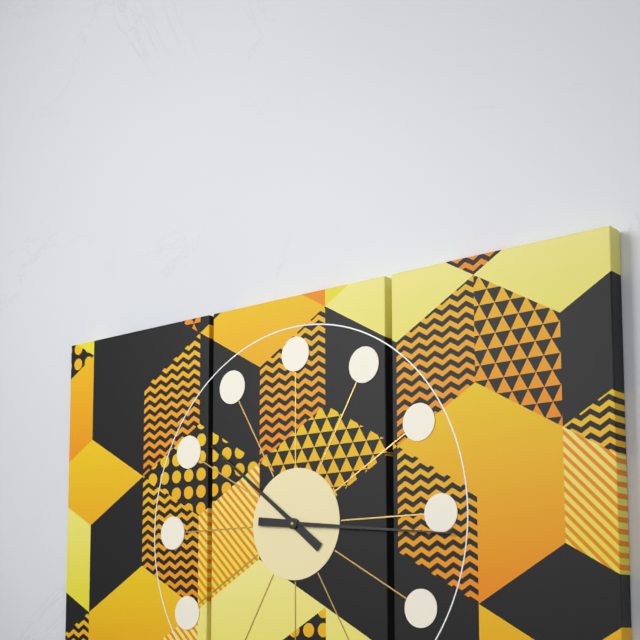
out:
10 h 16 min
